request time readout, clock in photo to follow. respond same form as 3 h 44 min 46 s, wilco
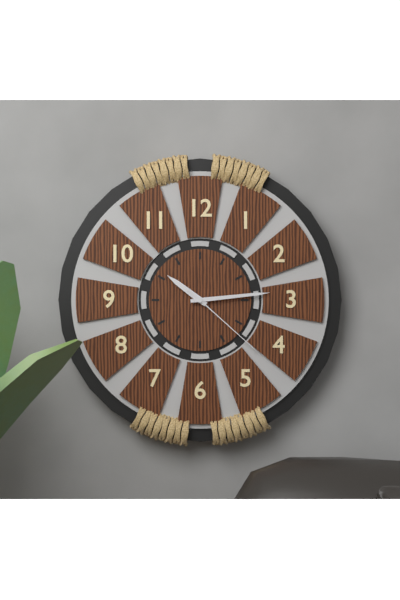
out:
10 h 14 min 22 s
